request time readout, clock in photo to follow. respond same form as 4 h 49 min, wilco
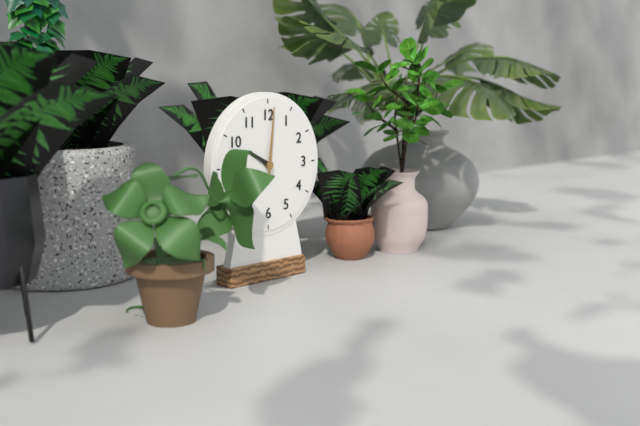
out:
10 h 01 min
